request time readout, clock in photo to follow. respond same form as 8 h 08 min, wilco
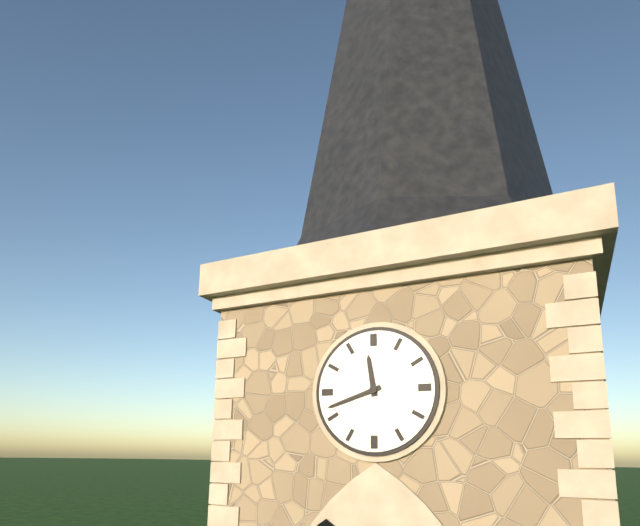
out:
11 h 42 min
